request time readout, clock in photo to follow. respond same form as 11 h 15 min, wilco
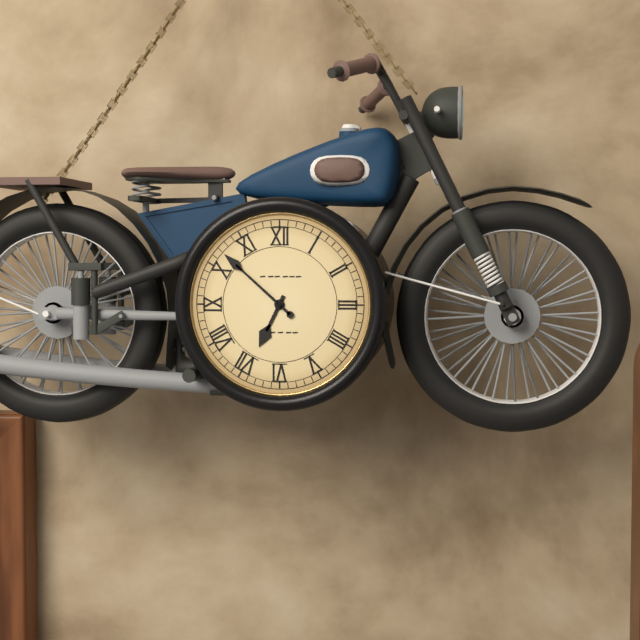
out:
6 h 52 min
